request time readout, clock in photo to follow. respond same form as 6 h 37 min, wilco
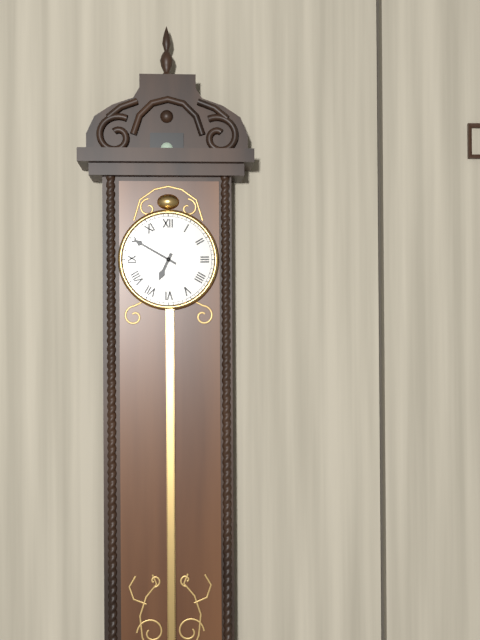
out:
6 h 50 min
